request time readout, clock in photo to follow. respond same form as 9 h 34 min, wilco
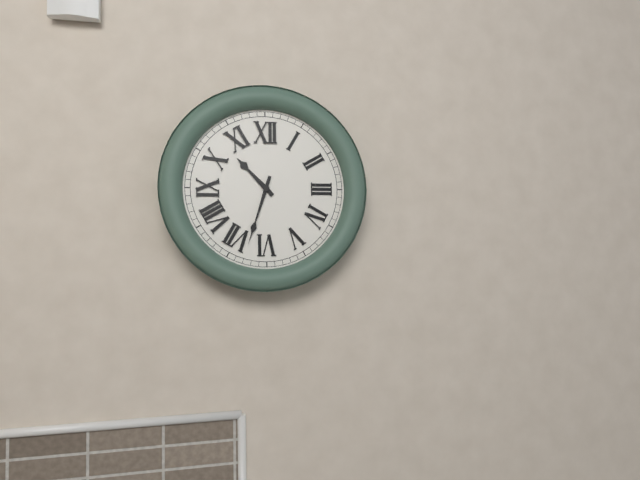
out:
10 h 33 min
